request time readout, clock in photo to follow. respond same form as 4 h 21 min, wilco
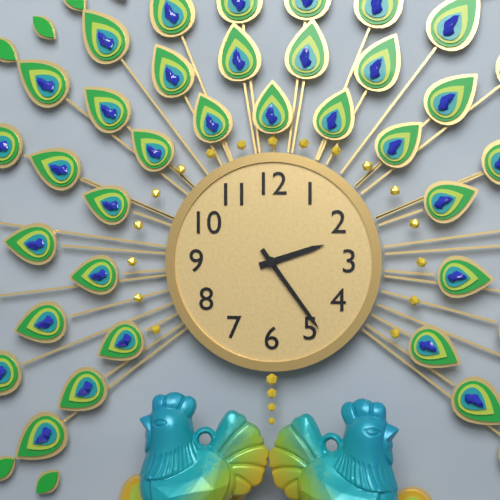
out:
2 h 24 min
